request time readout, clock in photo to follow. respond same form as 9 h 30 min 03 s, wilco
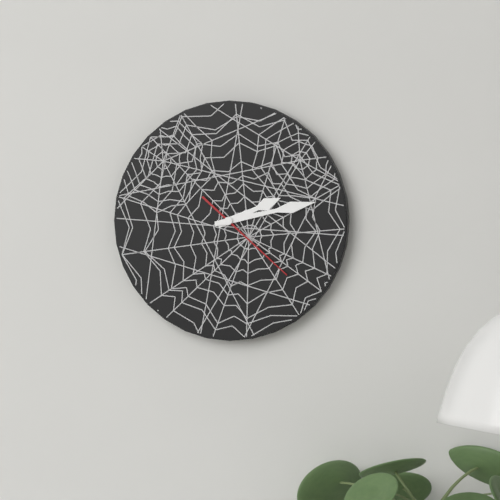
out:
2 h 13 min 22 s
